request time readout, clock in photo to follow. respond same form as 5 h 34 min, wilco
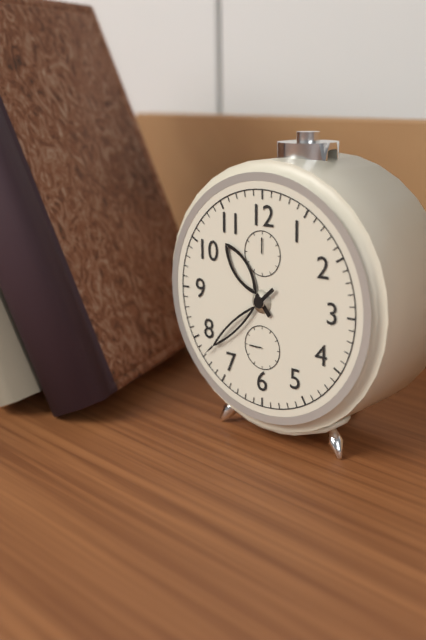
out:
10 h 38 min
